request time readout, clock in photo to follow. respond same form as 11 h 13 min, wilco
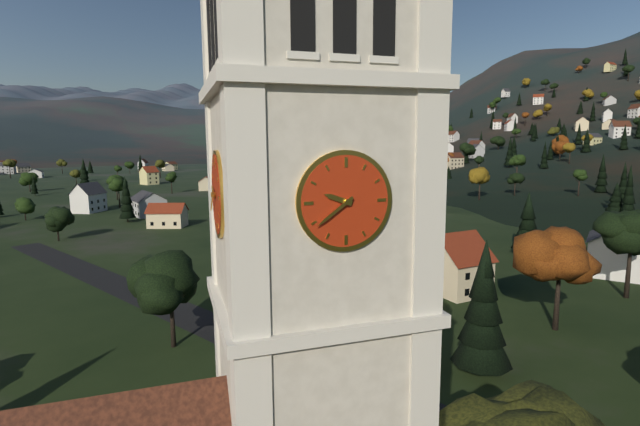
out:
9 h 39 min
